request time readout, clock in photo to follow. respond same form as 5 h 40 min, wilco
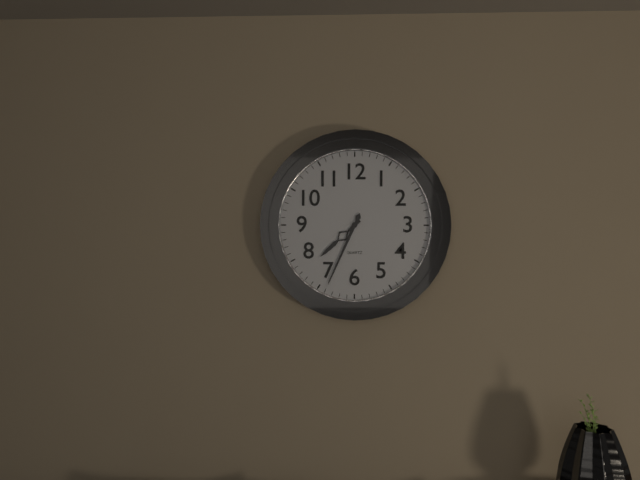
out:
7 h 34 min
